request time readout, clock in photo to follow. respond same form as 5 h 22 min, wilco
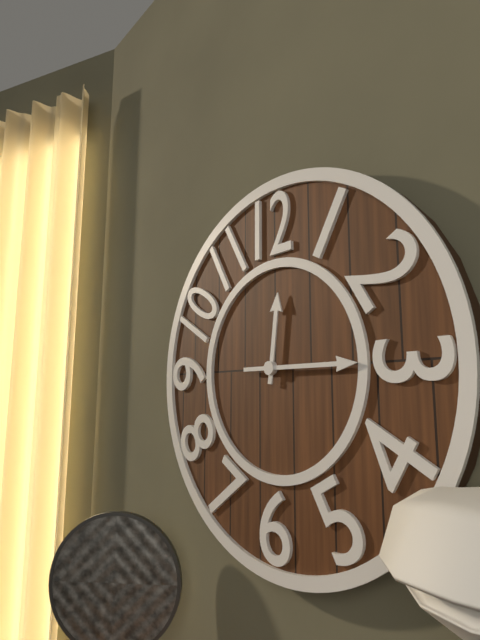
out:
12 h 15 min
